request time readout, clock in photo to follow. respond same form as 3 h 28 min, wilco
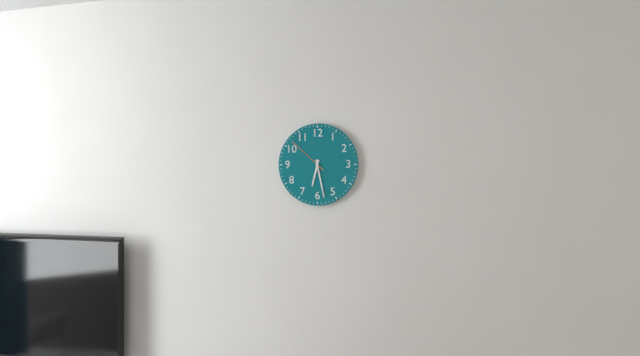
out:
6 h 28 min
